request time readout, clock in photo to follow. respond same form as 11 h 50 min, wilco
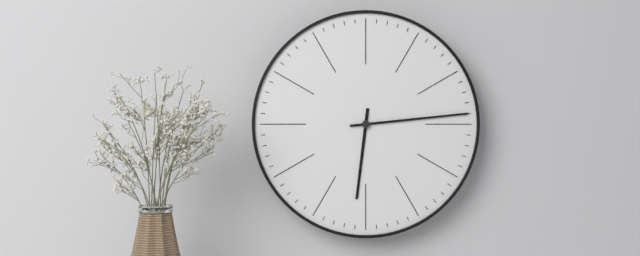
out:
6 h 14 min
